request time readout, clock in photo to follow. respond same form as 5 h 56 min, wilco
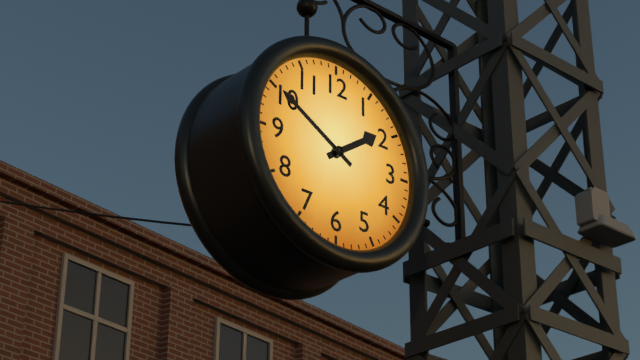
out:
1 h 50 min
